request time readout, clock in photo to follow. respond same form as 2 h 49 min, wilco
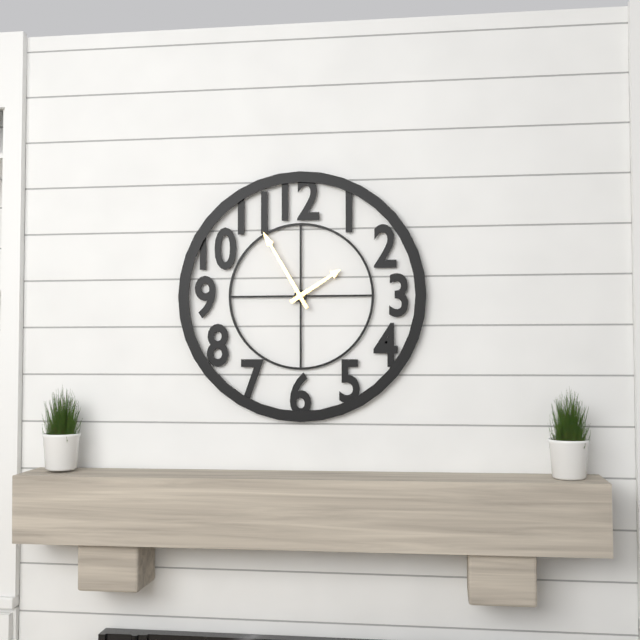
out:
1 h 55 min
